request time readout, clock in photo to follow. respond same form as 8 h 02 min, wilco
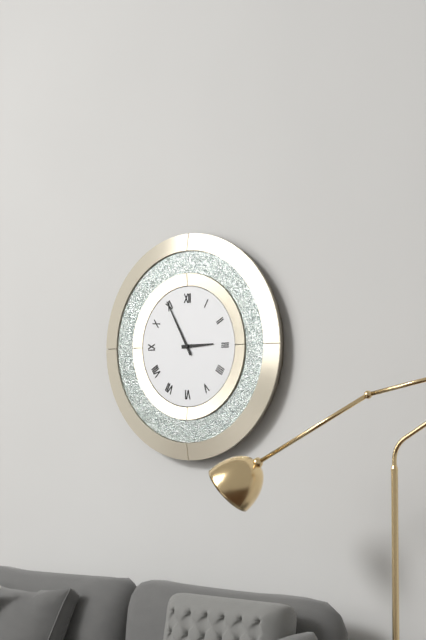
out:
2 h 55 min
